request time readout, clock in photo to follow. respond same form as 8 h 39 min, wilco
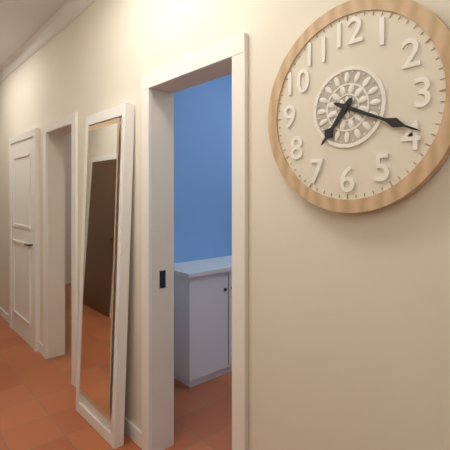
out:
7 h 19 min
